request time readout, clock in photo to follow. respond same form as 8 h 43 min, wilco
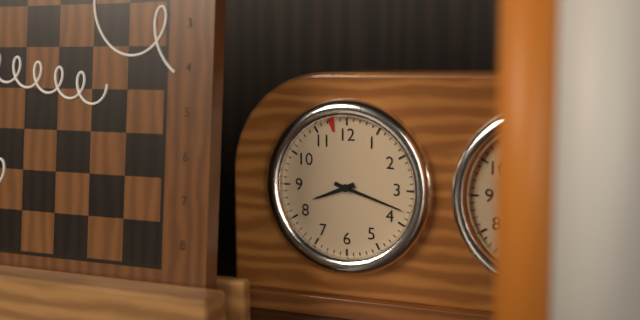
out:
8 h 18 min
